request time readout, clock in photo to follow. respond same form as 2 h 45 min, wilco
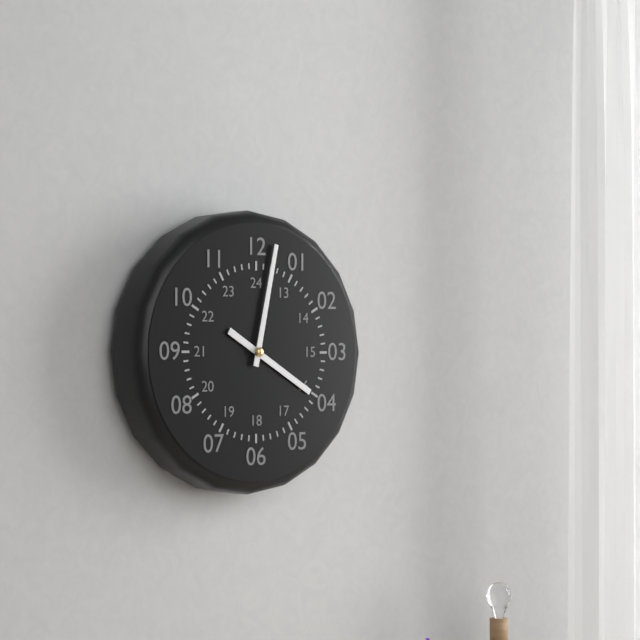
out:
4 h 02 min
